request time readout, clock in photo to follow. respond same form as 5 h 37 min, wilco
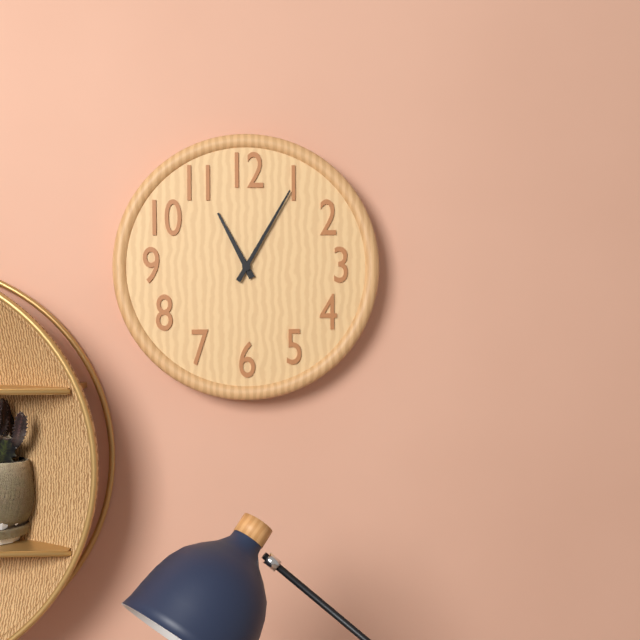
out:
11 h 05 min
